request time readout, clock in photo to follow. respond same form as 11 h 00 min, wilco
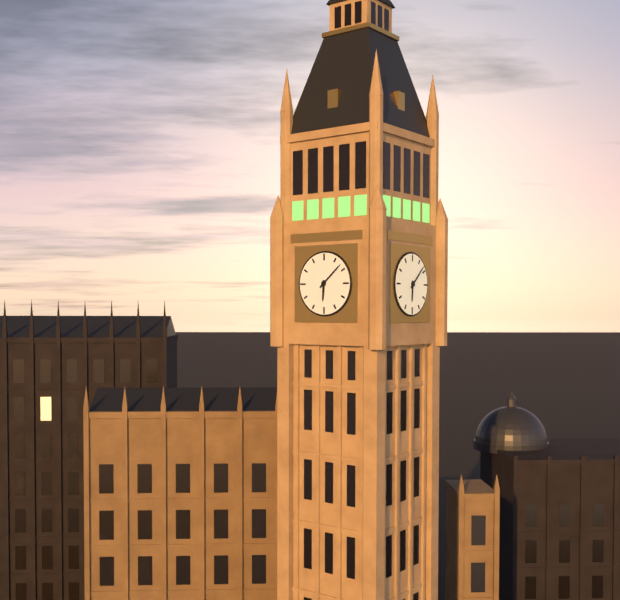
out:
6 h 08 min
